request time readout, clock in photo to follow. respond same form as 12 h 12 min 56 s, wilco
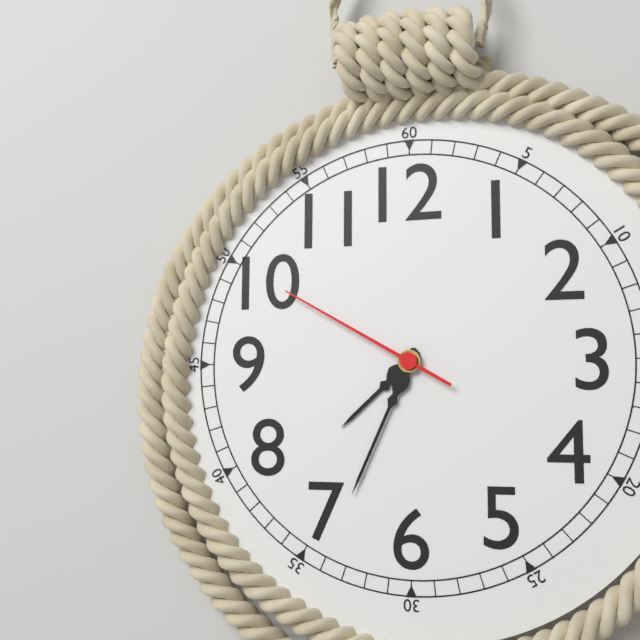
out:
7 h 34 min 50 s
